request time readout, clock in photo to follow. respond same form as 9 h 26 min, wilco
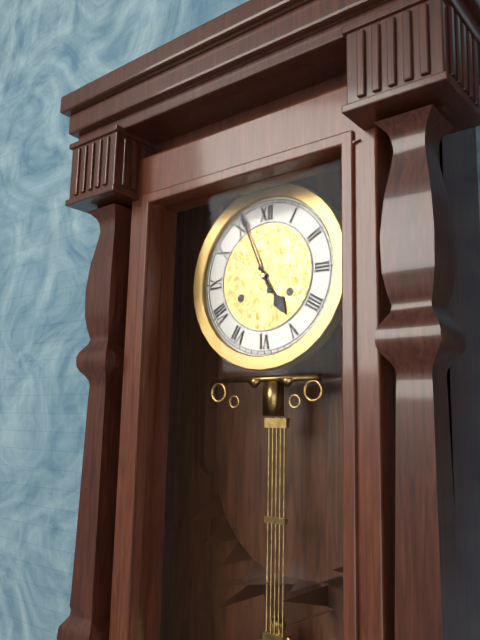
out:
4 h 56 min
